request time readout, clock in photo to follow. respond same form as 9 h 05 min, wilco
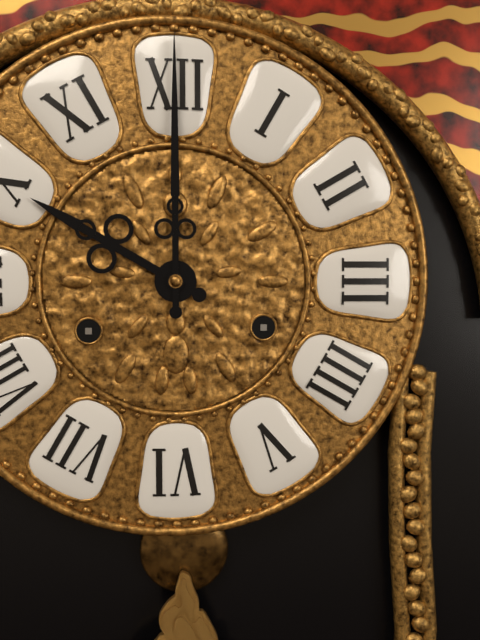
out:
10 h 00 min
